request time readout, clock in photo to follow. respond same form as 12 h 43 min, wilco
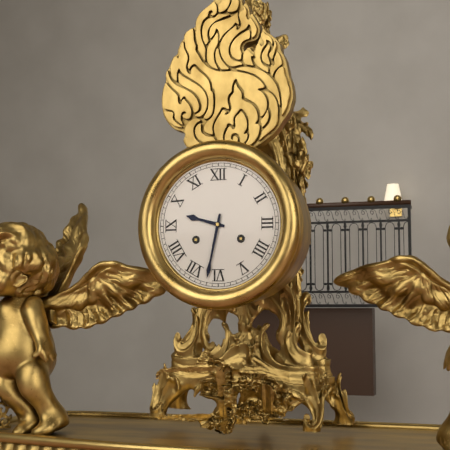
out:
9 h 32 min
